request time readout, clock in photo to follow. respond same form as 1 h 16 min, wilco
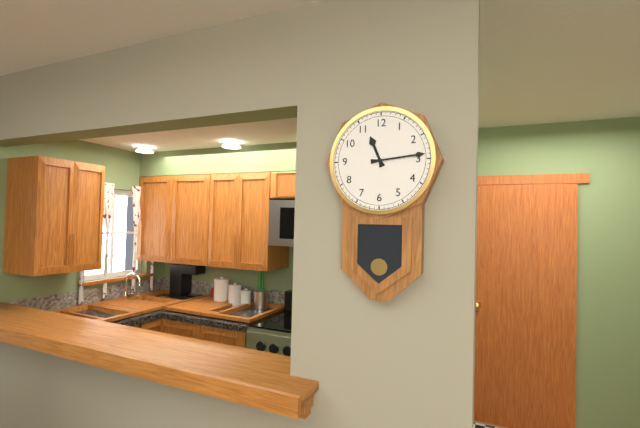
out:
11 h 14 min
